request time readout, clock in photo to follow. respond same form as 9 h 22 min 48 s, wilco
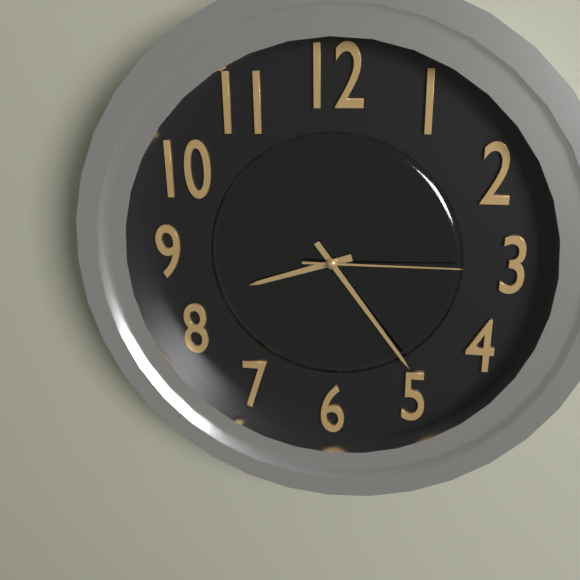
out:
8 h 24 min 15 s
